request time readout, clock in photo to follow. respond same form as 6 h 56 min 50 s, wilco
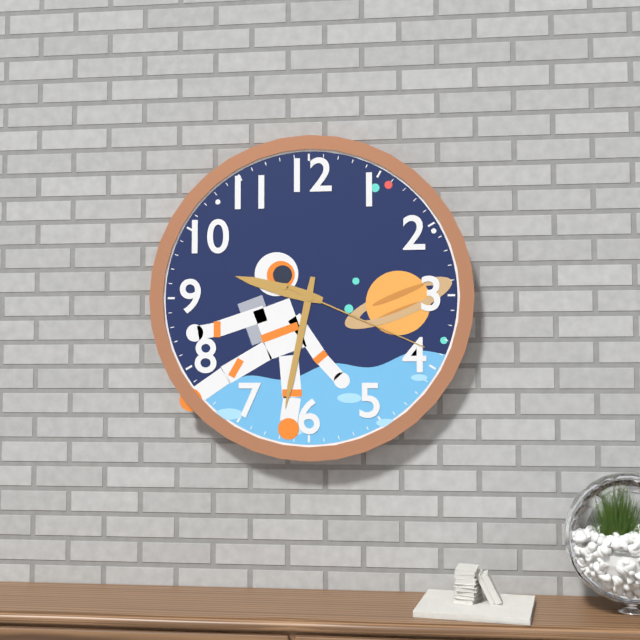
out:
9 h 32 min 19 s
